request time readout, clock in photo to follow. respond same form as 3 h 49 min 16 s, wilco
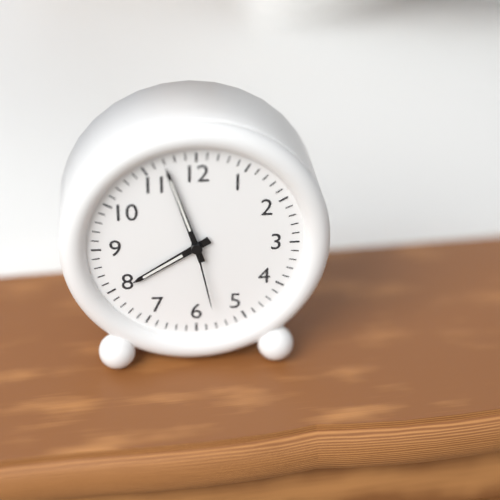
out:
7 h 57 min 28 s
